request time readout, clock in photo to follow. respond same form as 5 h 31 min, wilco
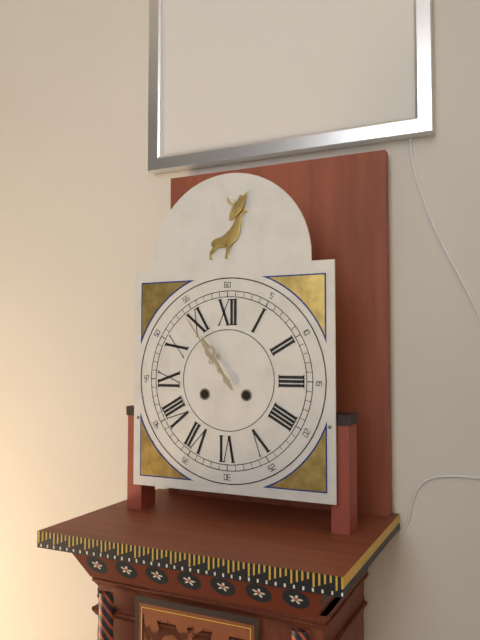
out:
10 h 54 min
